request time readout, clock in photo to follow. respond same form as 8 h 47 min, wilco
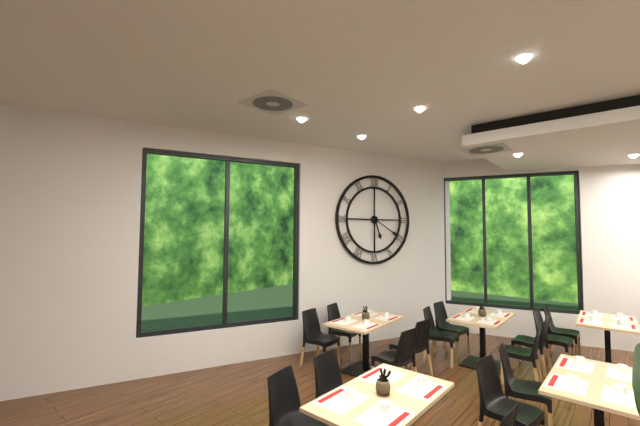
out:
5 h 20 min
